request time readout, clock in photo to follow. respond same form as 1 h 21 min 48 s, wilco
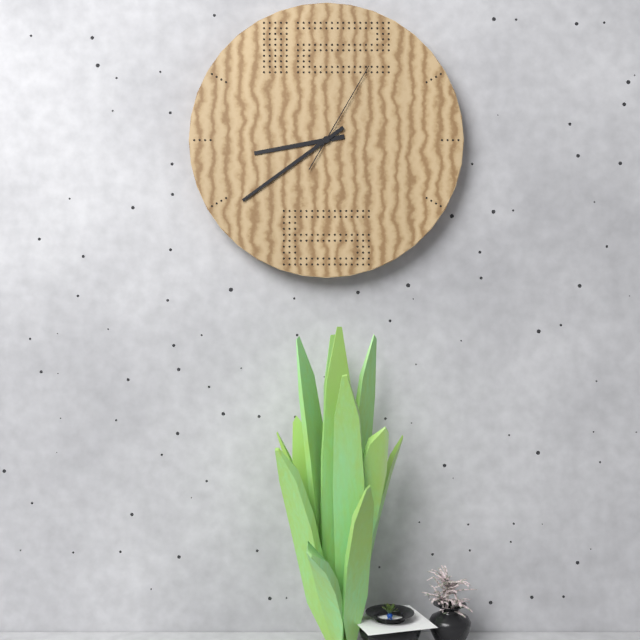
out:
8 h 39 min 05 s
